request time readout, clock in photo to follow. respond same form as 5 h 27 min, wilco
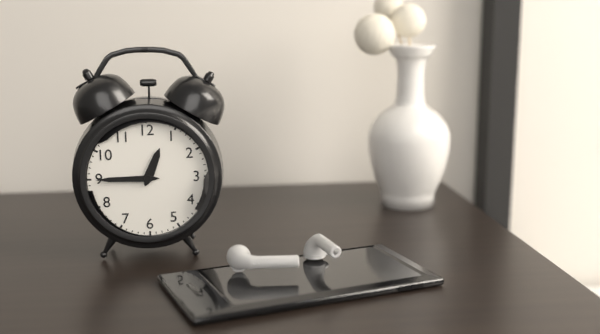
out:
12 h 45 min
